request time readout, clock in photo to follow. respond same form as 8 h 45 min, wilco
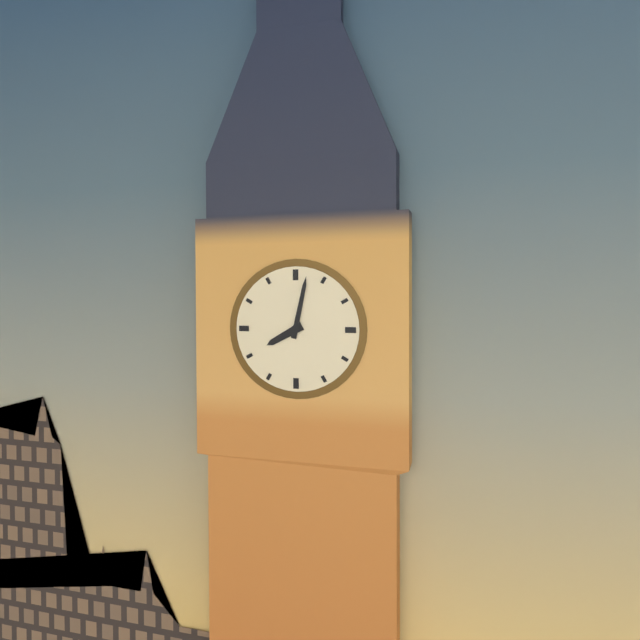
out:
8 h 02 min
